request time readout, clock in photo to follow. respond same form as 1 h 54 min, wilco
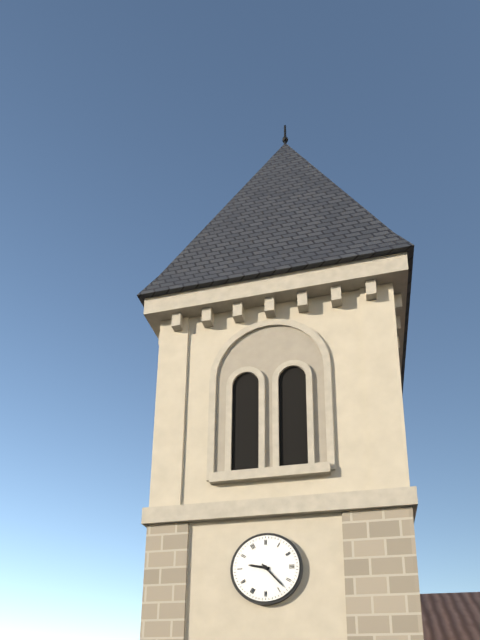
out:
9 h 23 min
